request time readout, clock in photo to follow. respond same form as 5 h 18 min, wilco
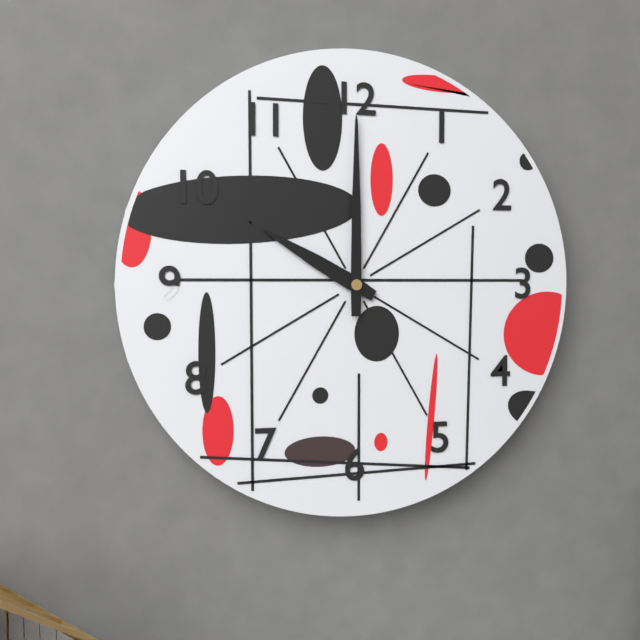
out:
10 h 00 min
